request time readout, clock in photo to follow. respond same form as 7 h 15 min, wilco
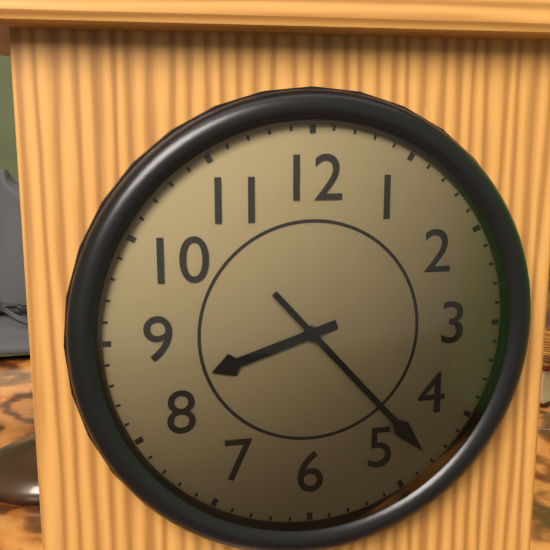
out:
8 h 23 min
